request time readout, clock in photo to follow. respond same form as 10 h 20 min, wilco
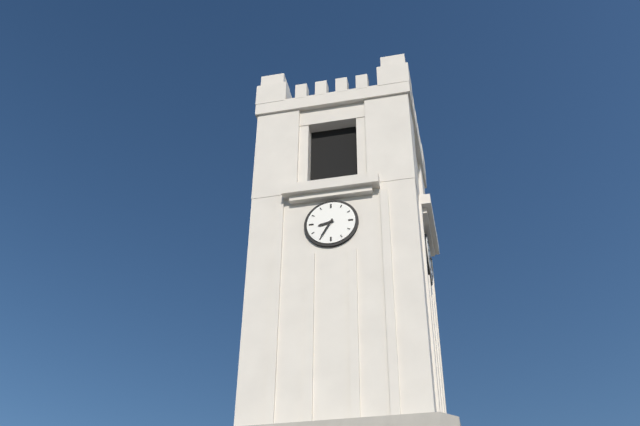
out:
8 h 35 min
